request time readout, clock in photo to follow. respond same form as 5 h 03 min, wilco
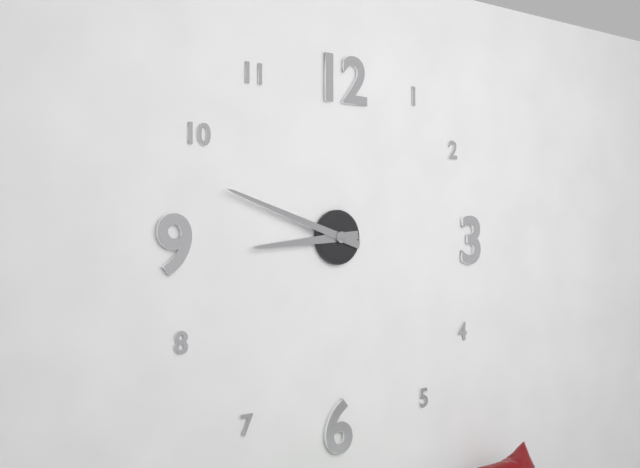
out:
8 h 48 min
